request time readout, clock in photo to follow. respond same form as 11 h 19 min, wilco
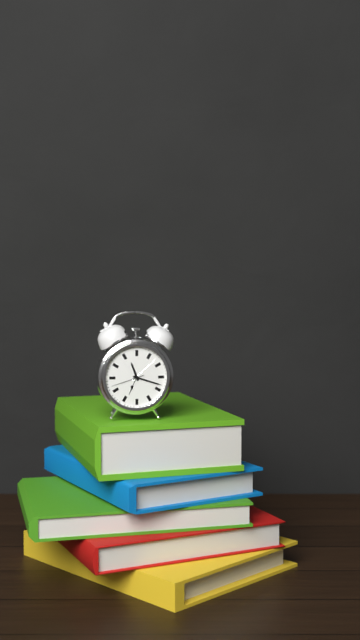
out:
11 h 18 min
